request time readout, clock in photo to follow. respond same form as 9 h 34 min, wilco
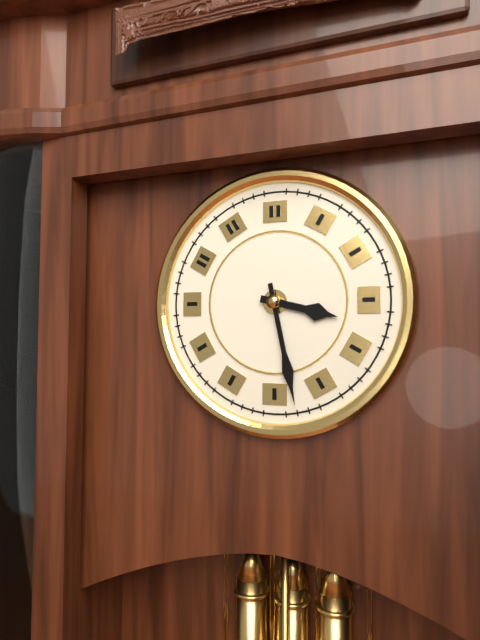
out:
3 h 28 min
